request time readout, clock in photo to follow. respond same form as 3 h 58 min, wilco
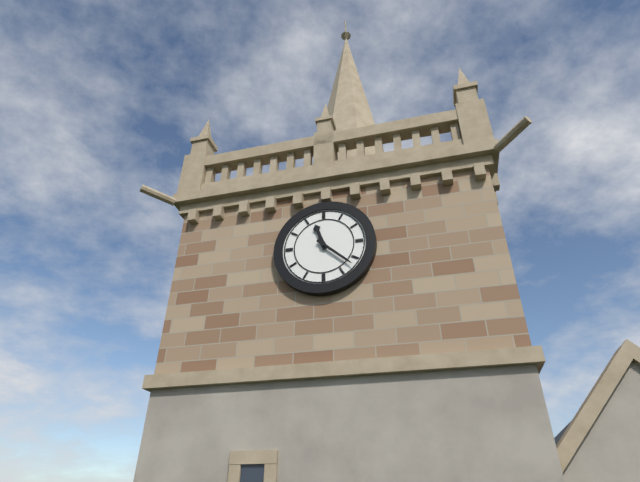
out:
11 h 22 min
